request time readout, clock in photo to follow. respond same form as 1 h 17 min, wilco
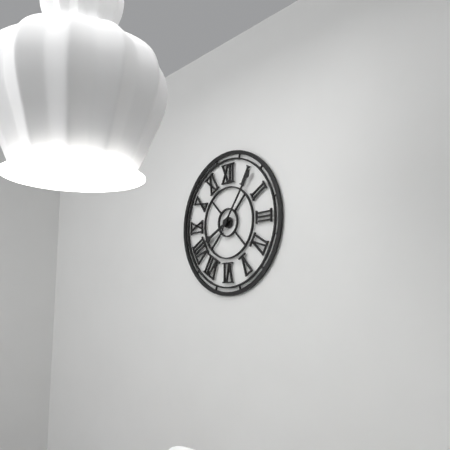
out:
8 h 06 min
